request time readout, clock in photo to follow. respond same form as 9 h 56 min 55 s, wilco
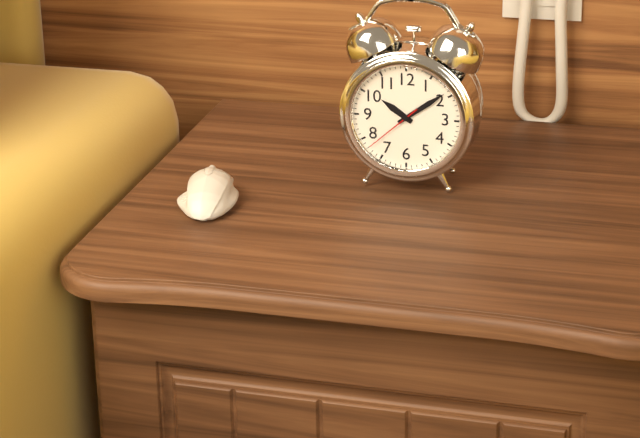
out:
10 h 09 min 38 s
